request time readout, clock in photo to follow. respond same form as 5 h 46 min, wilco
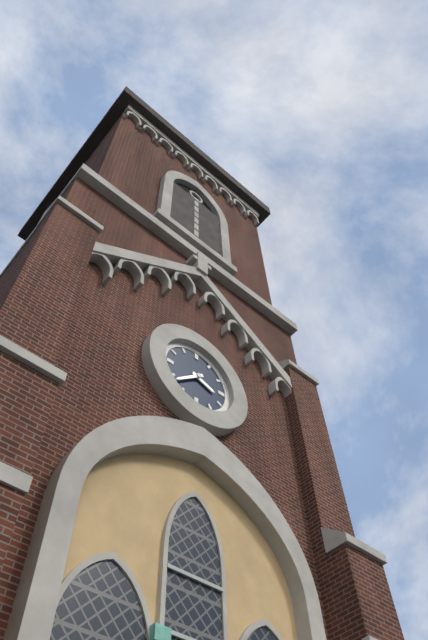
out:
3 h 38 min
